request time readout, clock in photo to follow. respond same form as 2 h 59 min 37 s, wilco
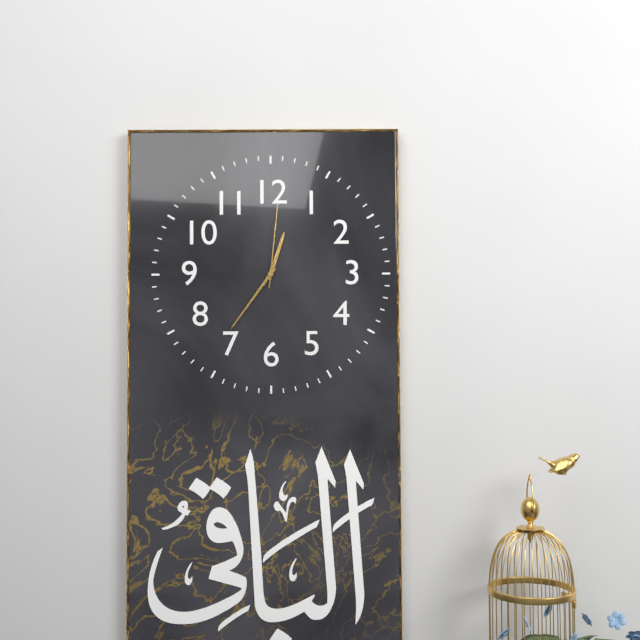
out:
12 h 36 min 01 s
